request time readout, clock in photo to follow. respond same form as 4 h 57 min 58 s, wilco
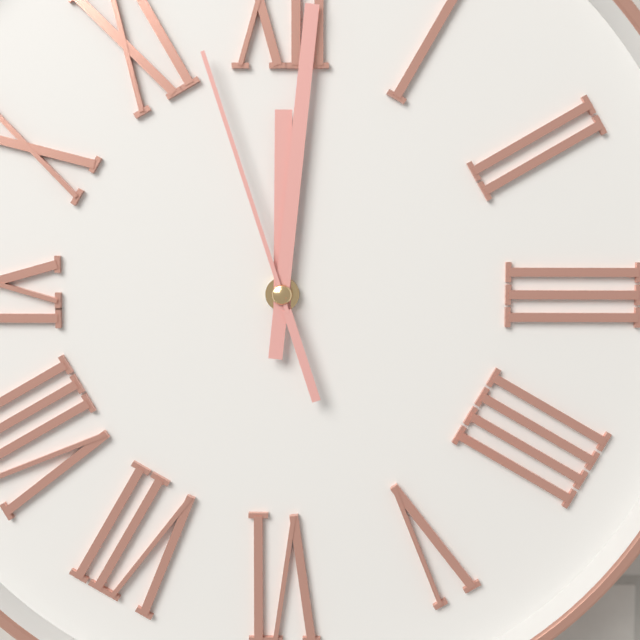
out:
12 h 01 min 57 s
